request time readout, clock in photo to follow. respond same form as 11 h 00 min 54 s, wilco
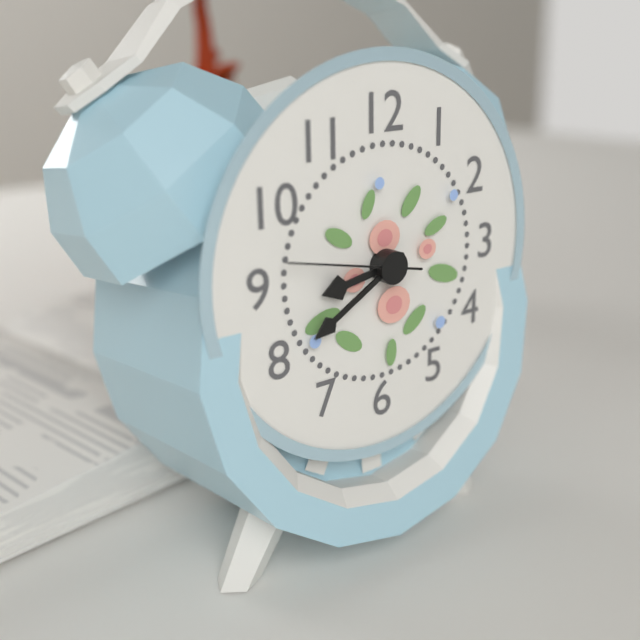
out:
8 h 40 min 47 s
